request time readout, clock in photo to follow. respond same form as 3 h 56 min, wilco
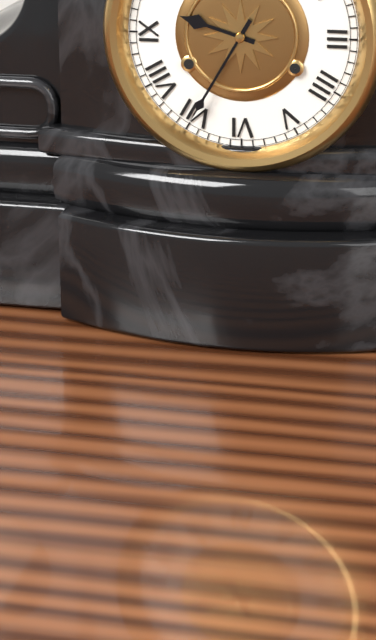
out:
9 h 35 min
